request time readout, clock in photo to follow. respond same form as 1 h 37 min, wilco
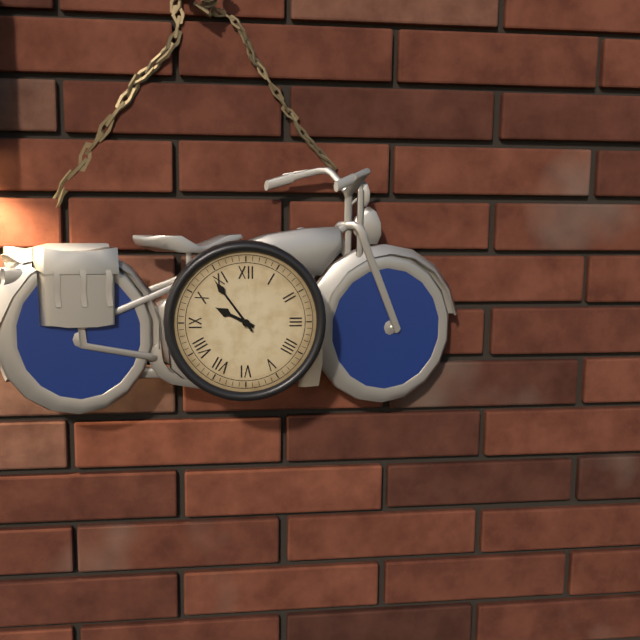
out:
9 h 54 min
